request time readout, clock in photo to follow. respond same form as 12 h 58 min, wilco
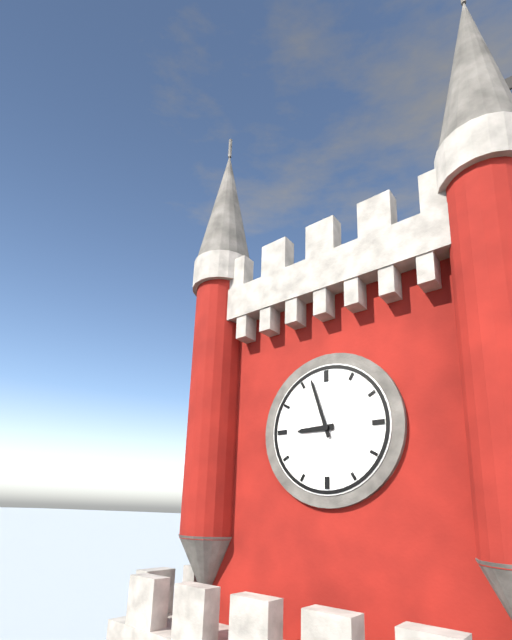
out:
8 h 57 min
